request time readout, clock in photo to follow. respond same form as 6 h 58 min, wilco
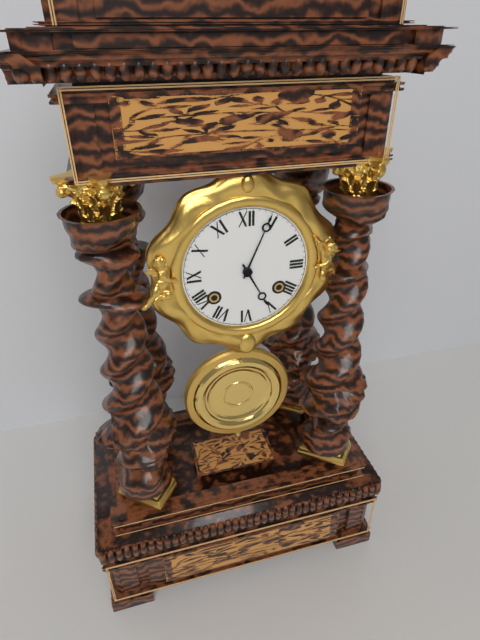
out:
5 h 04 min
